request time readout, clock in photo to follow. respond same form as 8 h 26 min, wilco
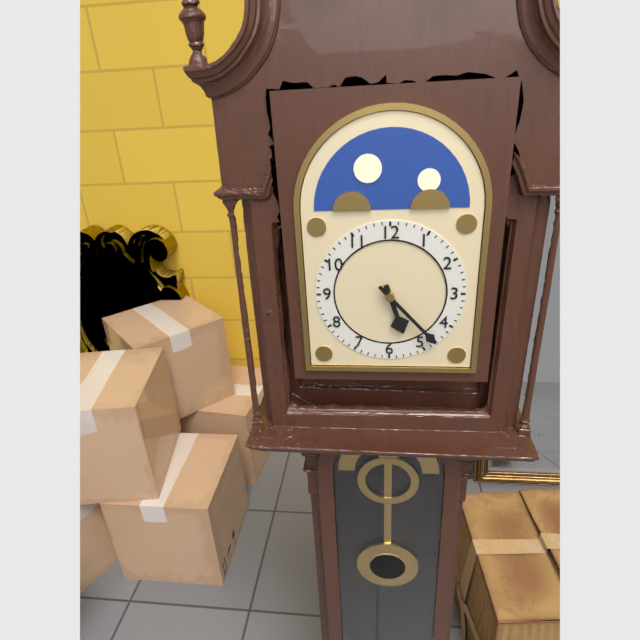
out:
5 h 23 min
